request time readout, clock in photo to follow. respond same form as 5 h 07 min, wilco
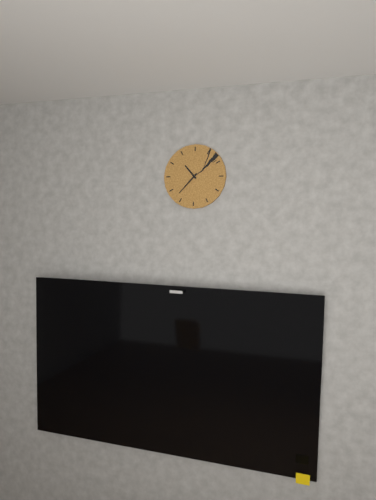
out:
10 h 37 min
